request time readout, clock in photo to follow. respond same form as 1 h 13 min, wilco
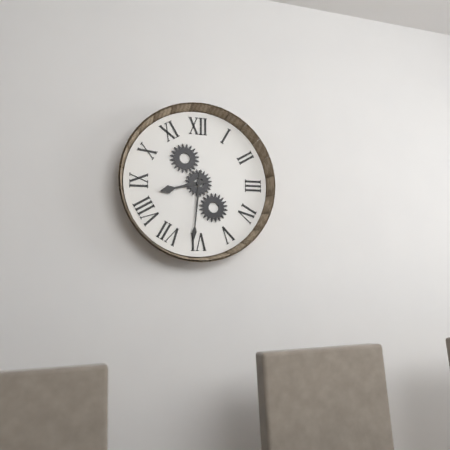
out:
8 h 31 min
